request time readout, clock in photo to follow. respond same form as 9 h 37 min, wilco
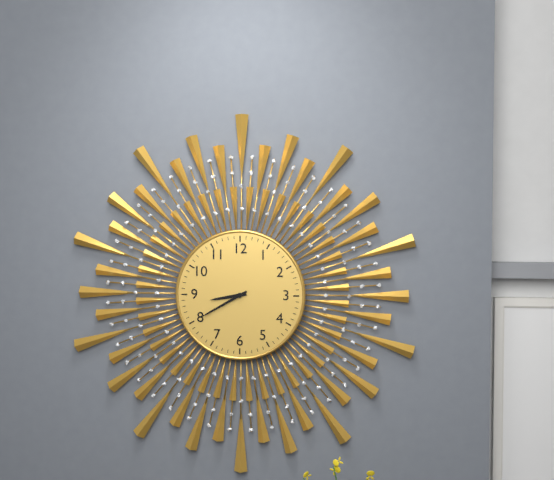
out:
8 h 40 min
